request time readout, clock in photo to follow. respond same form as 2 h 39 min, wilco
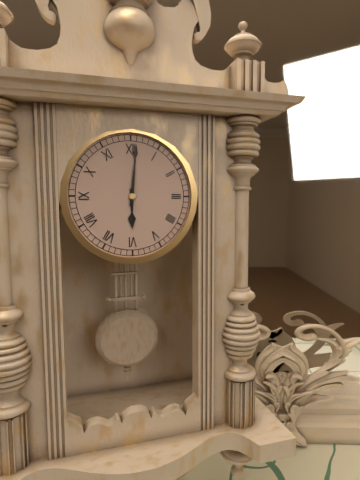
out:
6 h 01 min
